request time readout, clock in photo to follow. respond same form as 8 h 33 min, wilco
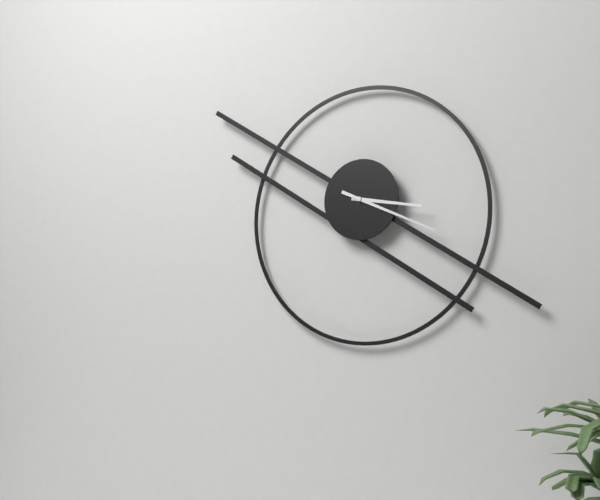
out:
3 h 19 min
